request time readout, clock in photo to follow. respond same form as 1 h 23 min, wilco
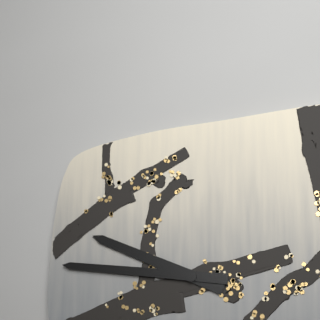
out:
9 h 46 min
